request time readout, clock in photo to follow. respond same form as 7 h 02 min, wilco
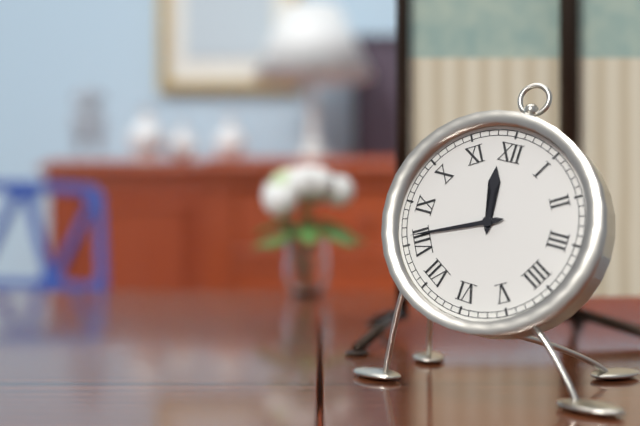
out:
11 h 41 min
